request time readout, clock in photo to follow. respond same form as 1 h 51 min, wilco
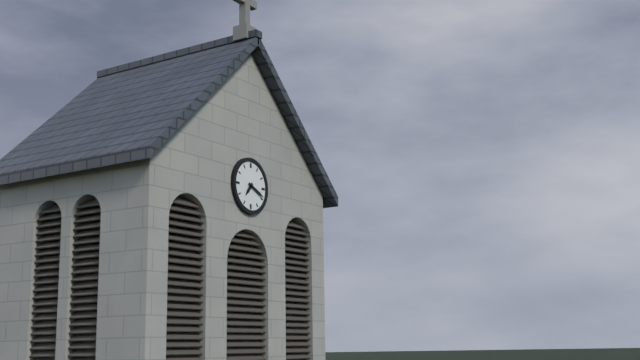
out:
7 h 19 min
